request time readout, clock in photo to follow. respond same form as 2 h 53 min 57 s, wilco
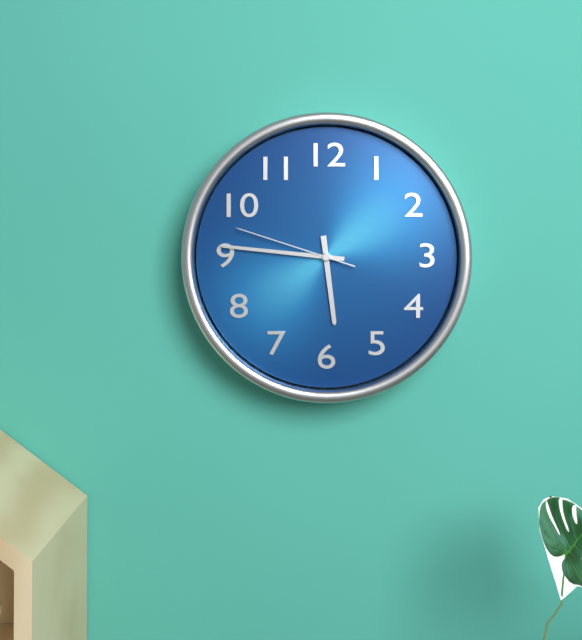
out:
5 h 46 min 48 s
